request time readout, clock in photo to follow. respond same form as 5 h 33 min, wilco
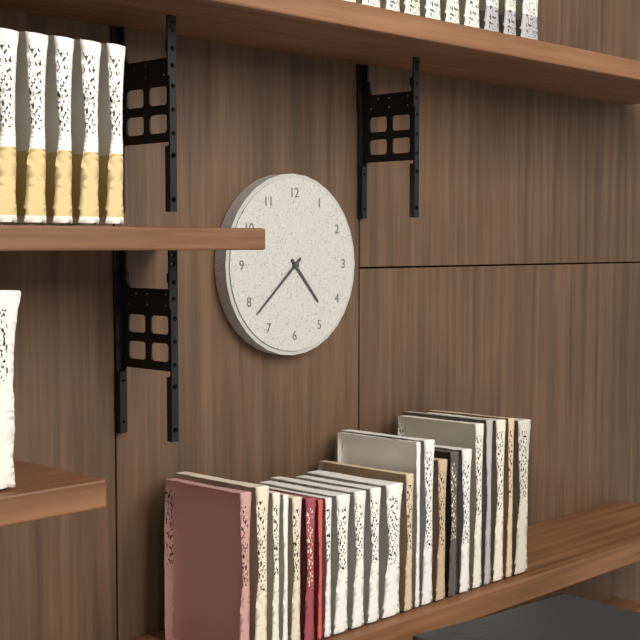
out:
4 h 38 min
